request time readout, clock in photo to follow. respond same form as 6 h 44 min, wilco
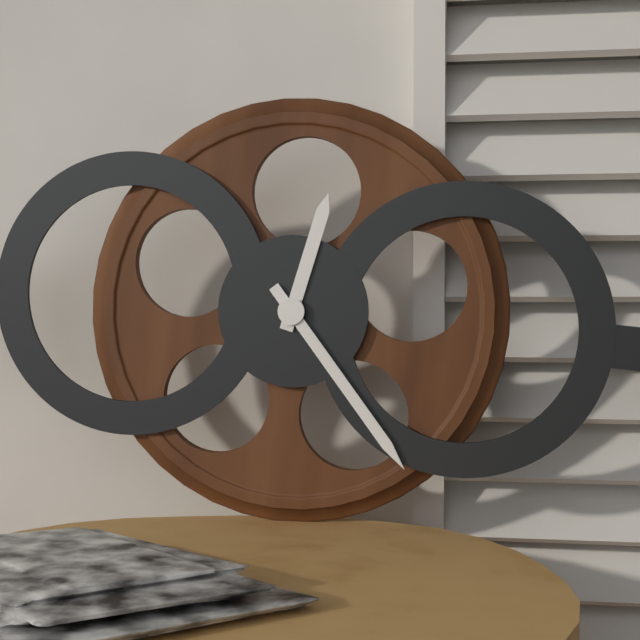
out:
12 h 23 min
